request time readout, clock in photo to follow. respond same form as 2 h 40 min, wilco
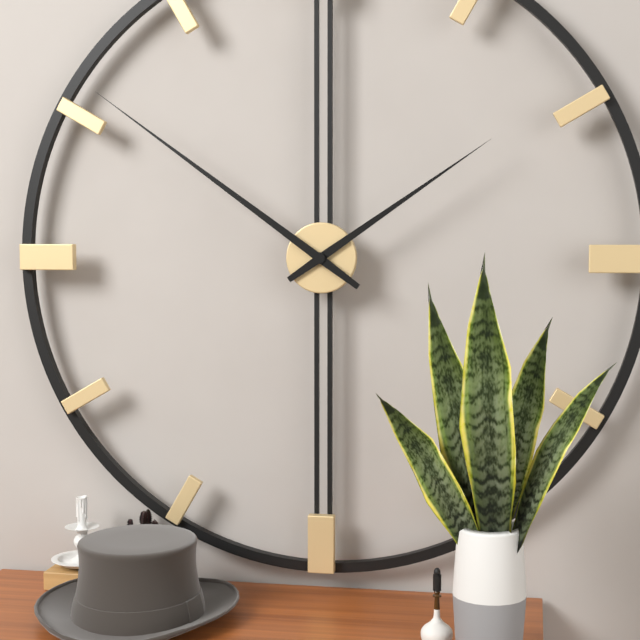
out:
1 h 51 min
